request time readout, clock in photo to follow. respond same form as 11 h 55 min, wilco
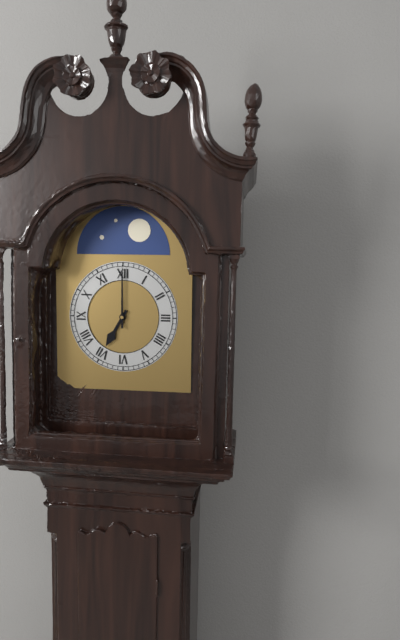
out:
7 h 00 min
